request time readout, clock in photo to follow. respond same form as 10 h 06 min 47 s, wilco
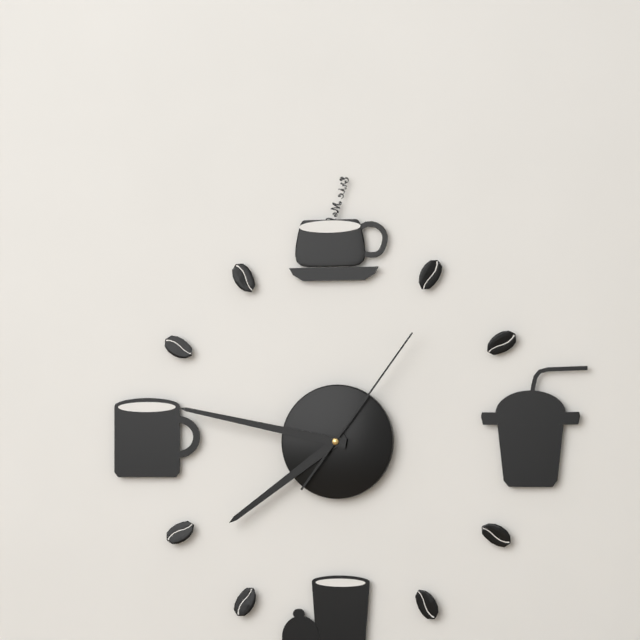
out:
7 h 47 min 06 s
